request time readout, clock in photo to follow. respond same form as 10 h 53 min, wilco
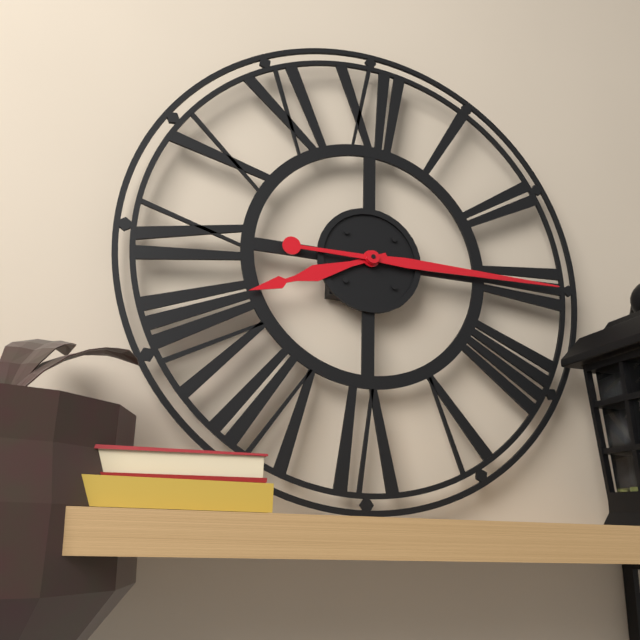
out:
8 h 15 min
